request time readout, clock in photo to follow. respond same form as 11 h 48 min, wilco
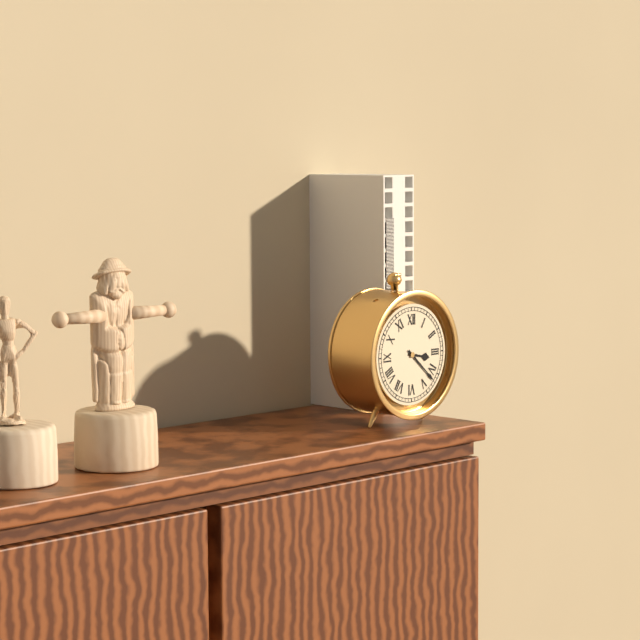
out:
3 h 22 min
